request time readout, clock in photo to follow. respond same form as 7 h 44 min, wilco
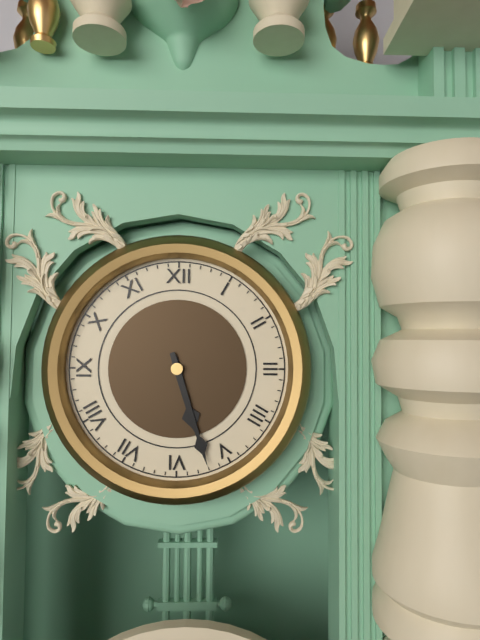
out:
5 h 27 min
